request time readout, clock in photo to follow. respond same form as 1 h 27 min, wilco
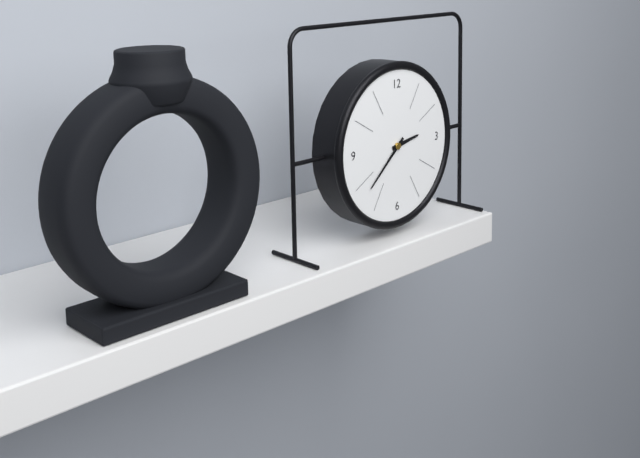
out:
2 h 38 min
